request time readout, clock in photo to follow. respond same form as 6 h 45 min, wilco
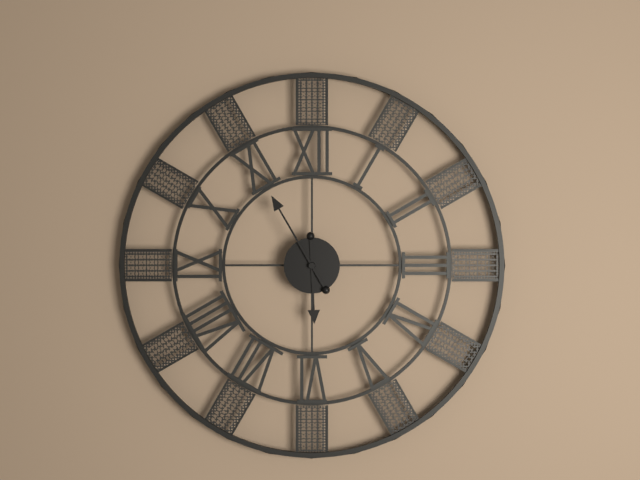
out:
5 h 55 min
